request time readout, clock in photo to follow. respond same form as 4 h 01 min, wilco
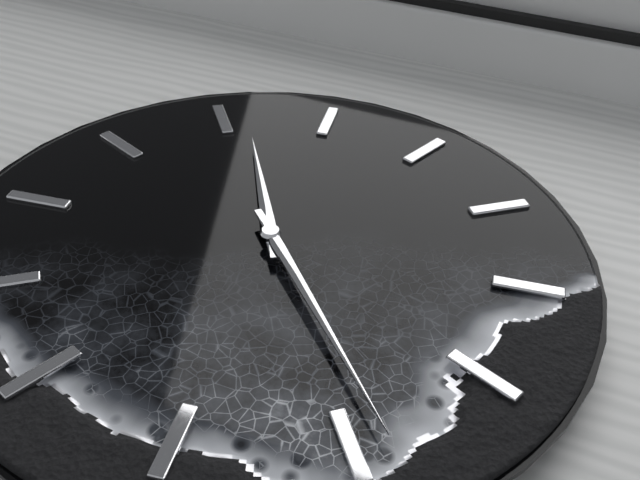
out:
9 h 14 min
